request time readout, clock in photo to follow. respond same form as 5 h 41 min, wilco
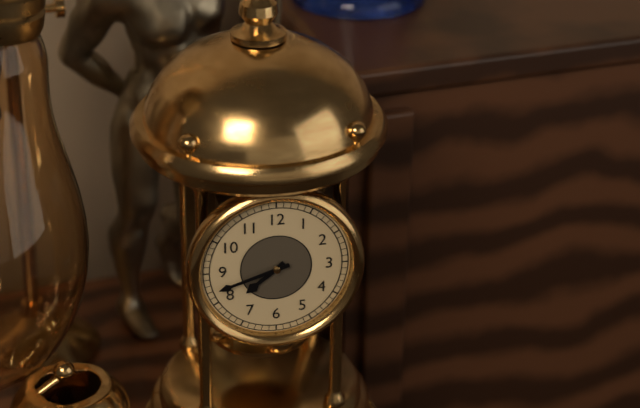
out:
7 h 42 min
